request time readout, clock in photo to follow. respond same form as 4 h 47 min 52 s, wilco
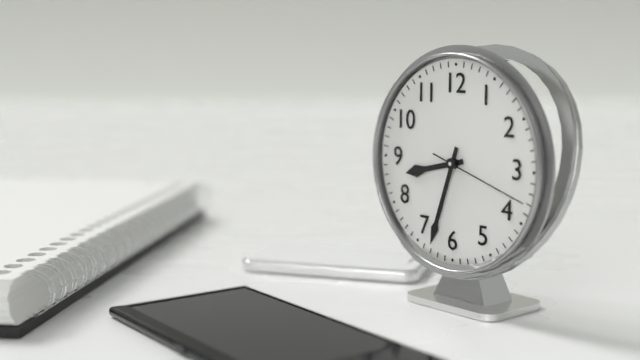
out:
8 h 33 min 18 s
